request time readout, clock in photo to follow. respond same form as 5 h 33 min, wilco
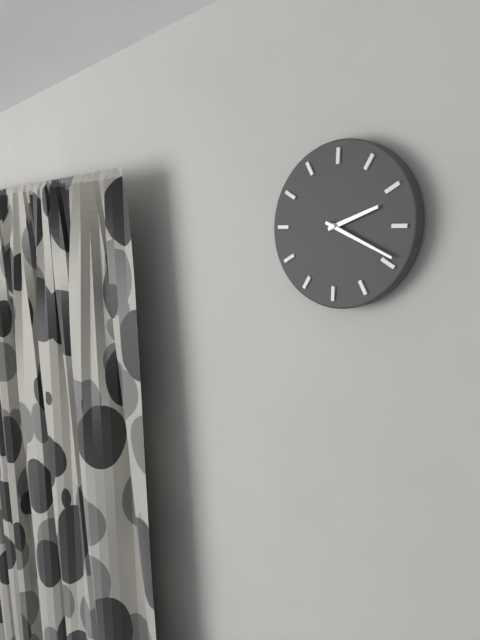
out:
2 h 19 min
